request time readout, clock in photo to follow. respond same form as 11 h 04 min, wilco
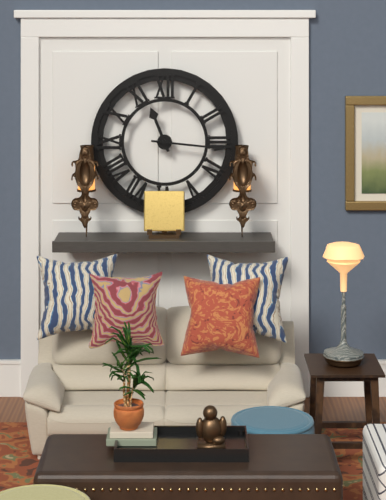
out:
11 h 16 min
